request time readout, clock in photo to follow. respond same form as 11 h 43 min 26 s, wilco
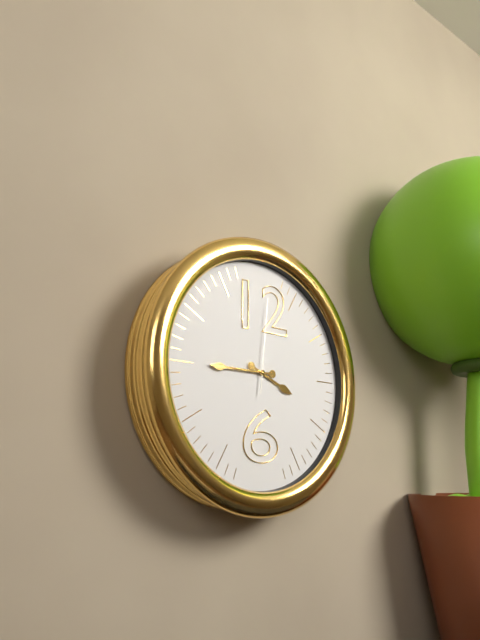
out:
3 h 45 min 01 s
